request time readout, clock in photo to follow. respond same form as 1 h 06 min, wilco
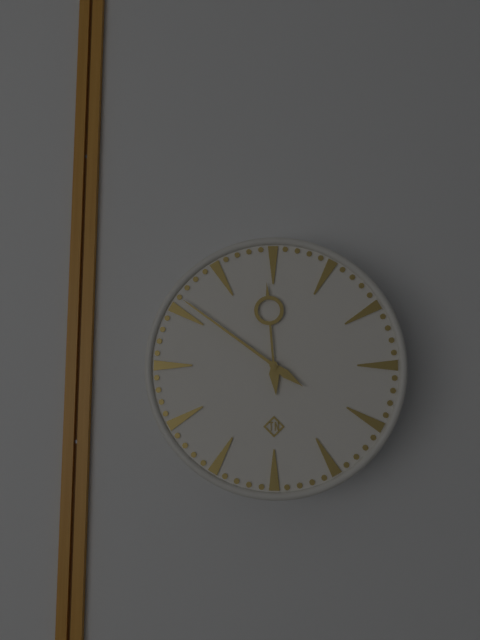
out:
11 h 51 min
